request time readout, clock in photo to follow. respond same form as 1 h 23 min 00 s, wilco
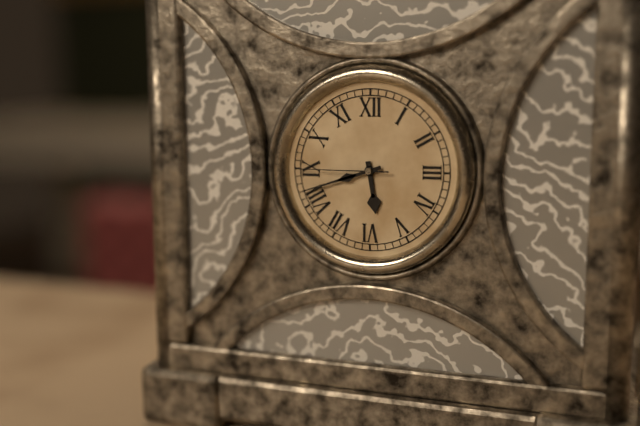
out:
5 h 42 min 45 s
